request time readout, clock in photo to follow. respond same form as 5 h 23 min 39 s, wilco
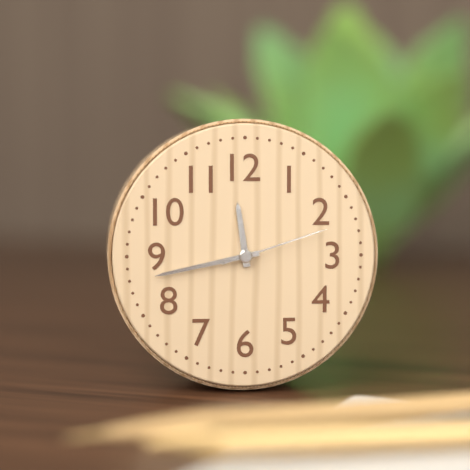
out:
11 h 43 min 12 s
